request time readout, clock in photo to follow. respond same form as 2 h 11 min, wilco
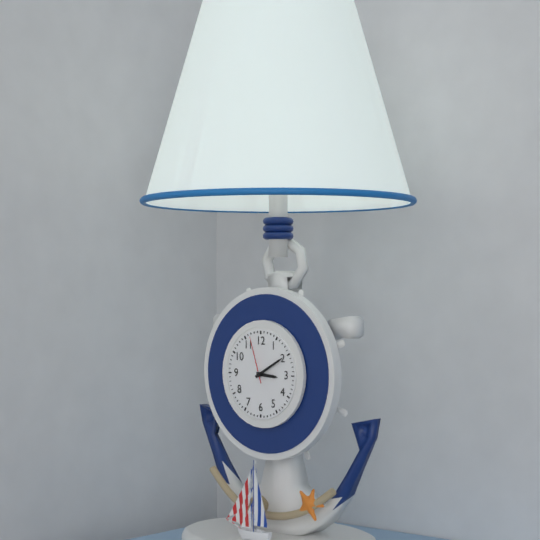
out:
3 h 10 min
